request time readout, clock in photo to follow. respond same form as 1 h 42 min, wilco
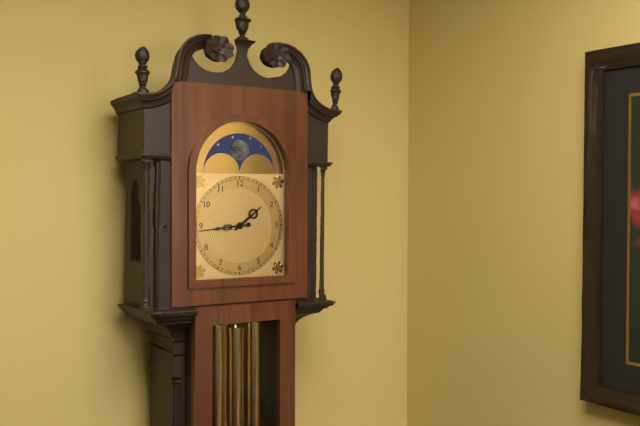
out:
1 h 44 min
